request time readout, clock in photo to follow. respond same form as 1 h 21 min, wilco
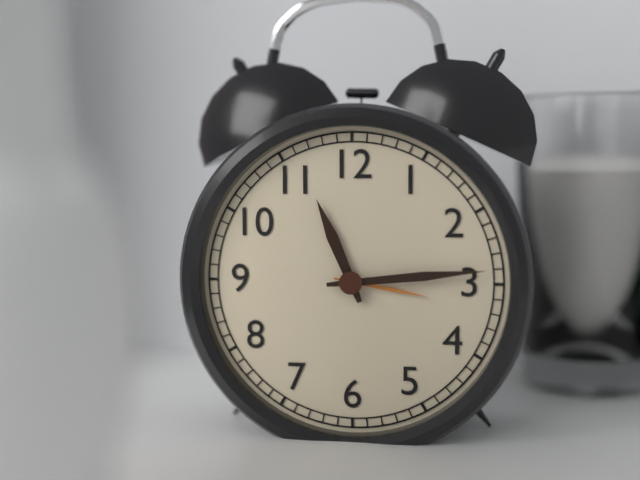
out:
11 h 14 min
